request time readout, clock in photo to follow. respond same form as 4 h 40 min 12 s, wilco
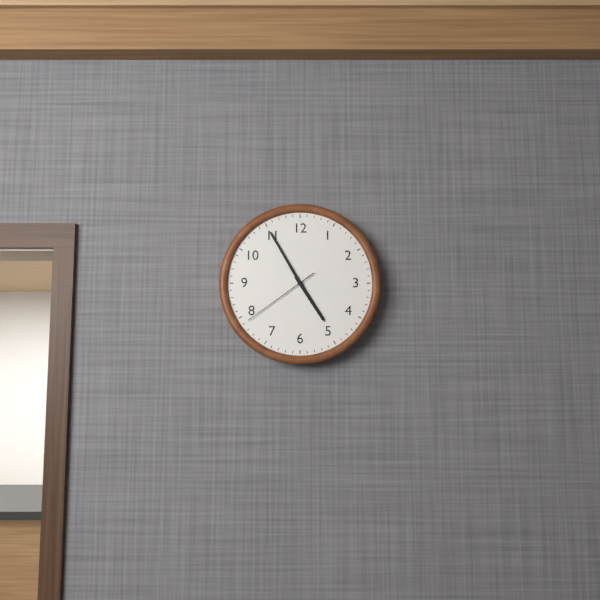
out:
4 h 55 min 39 s
